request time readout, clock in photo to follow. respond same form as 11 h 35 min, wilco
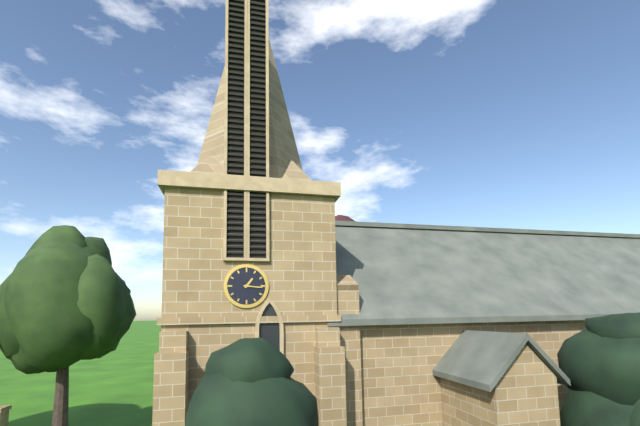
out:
1 h 16 min
